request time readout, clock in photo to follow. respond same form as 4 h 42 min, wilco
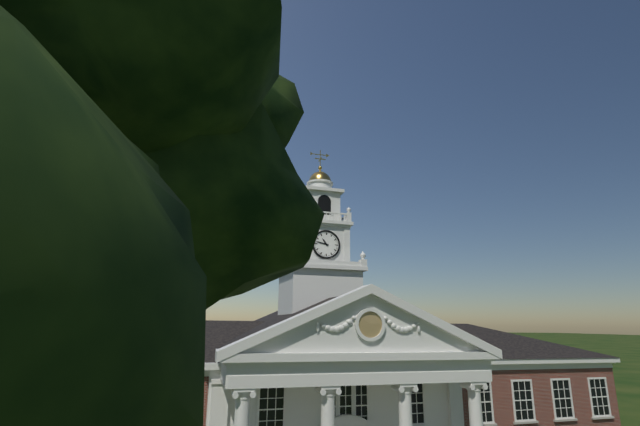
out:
10 h 47 min
